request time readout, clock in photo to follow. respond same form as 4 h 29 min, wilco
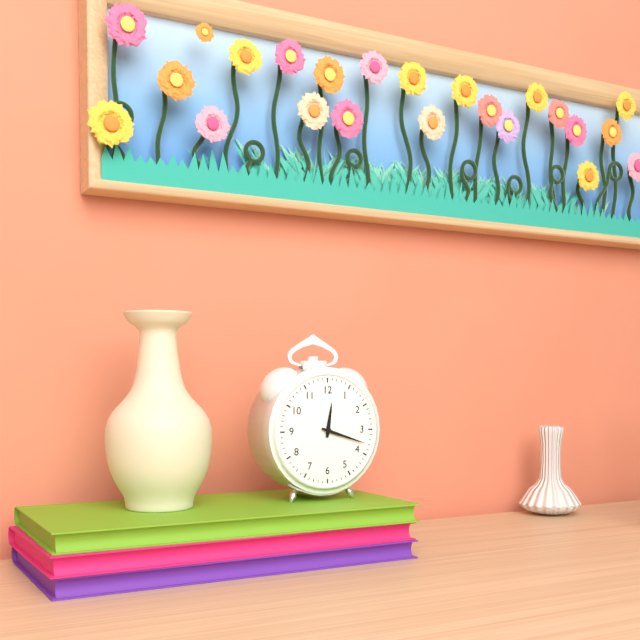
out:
12 h 18 min
